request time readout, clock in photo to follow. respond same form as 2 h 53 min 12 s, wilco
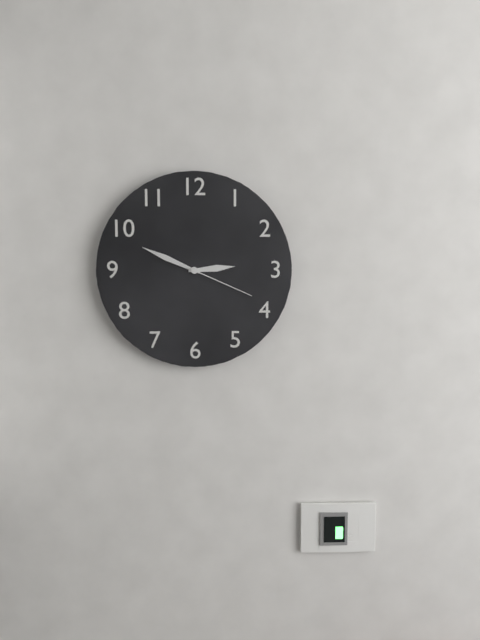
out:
2 h 49 min 19 s
